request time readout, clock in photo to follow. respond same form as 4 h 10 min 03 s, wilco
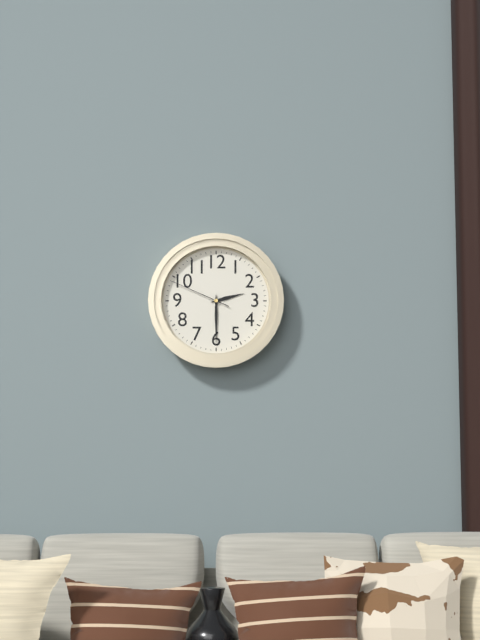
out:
2 h 30 min 49 s
